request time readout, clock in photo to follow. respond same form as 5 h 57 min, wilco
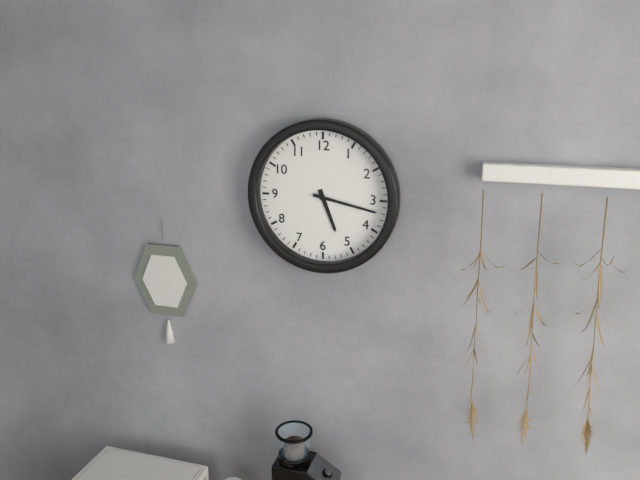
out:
5 h 17 min
